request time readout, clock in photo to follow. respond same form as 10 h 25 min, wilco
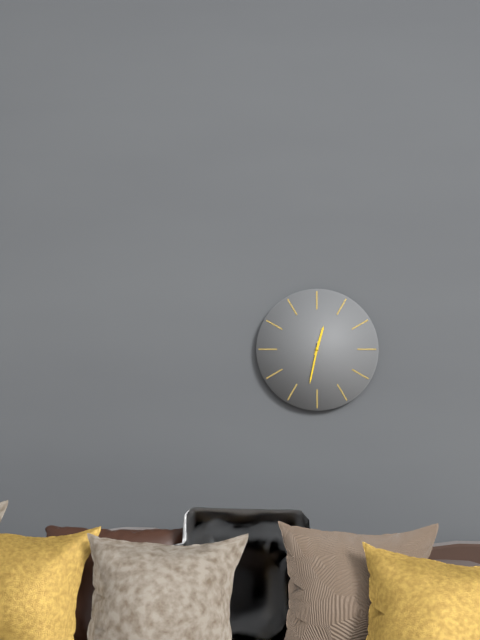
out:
12 h 32 min
